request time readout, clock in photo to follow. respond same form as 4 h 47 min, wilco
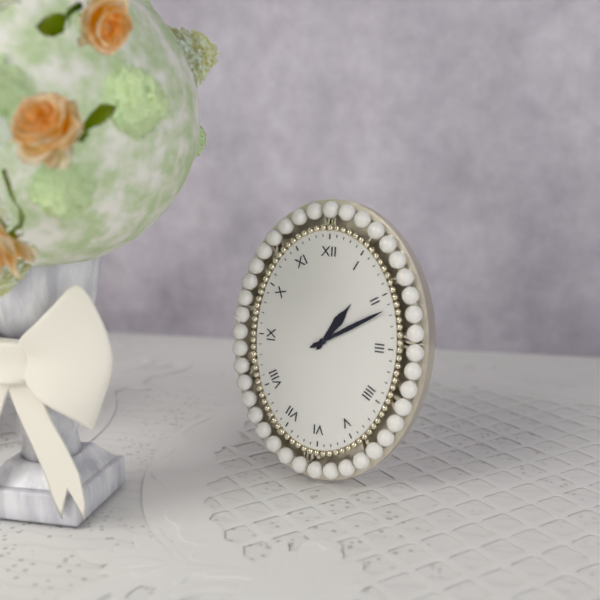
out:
1 h 10 min
